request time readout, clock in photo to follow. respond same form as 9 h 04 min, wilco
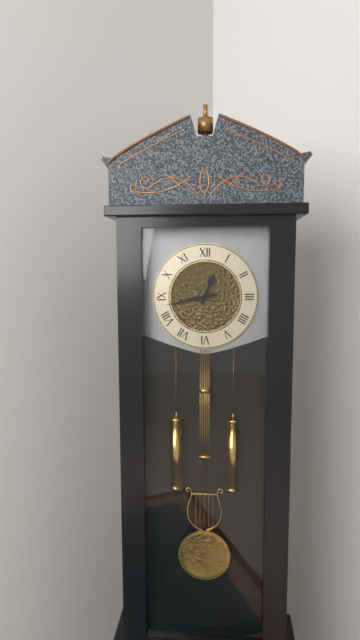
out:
12 h 43 min
